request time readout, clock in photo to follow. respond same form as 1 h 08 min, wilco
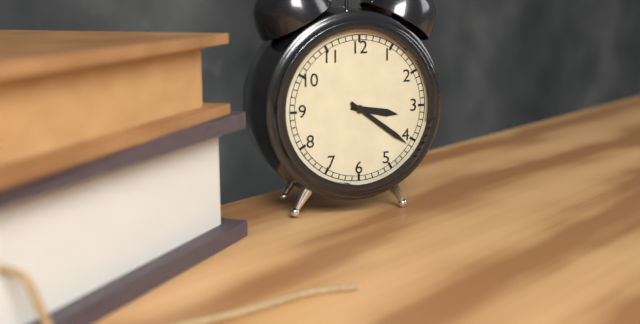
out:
3 h 21 min
